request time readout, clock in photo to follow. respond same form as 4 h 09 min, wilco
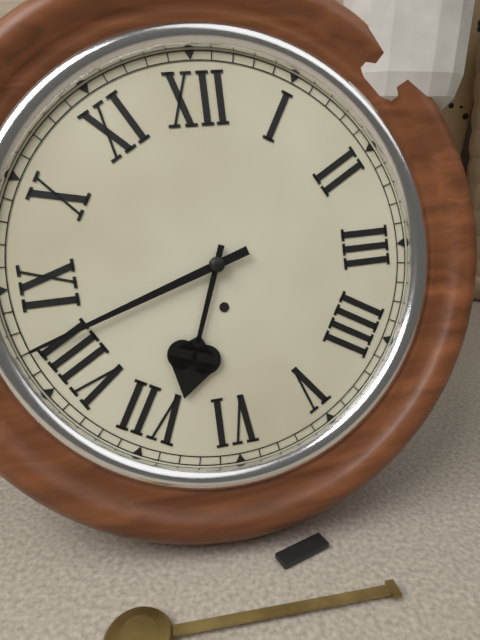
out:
6 h 42 min
